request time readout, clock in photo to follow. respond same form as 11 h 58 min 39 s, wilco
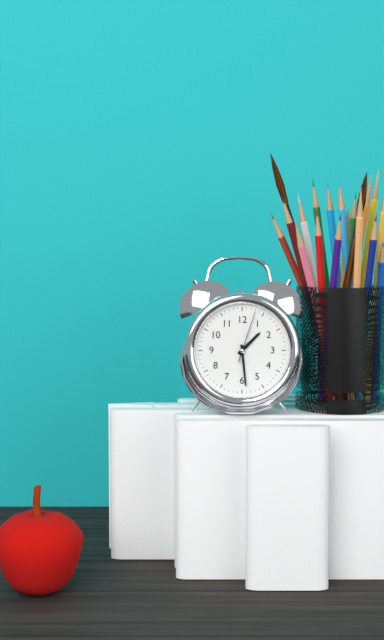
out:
1 h 29 min 03 s
